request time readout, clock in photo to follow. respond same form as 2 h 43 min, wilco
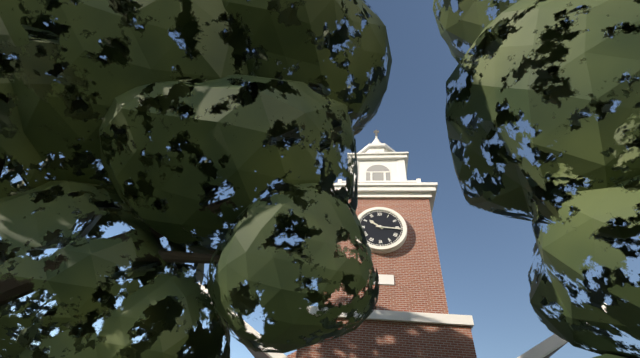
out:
10 h 16 min
